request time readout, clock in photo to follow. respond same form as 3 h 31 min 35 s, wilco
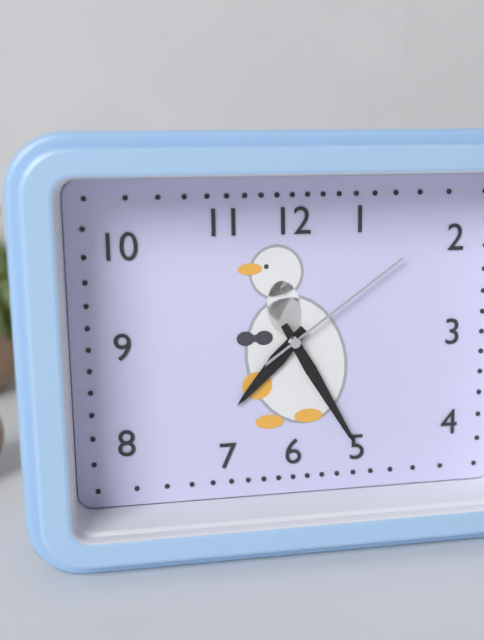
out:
7 h 25 min 09 s
